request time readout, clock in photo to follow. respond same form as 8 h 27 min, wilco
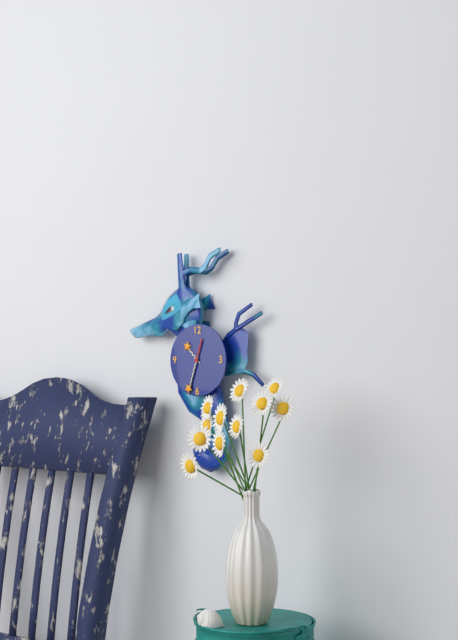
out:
10 h 33 min
